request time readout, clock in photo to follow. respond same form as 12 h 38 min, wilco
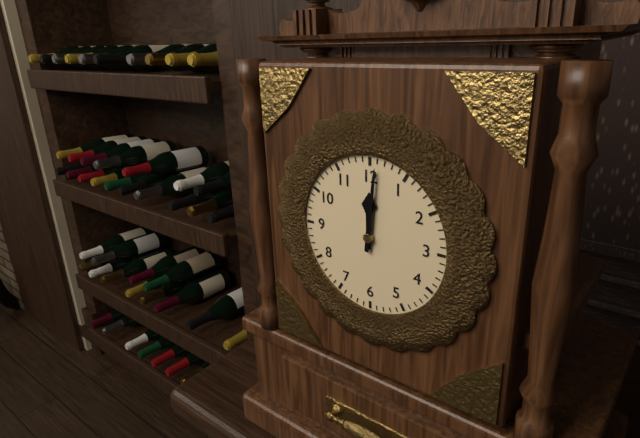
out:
12 h 01 min
